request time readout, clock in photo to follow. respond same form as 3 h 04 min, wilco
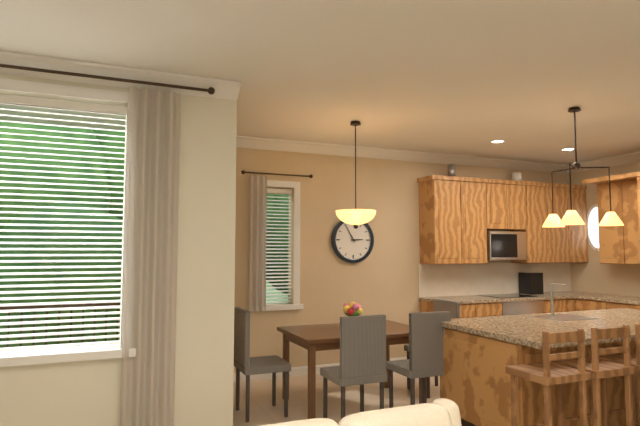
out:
2 h 55 min
